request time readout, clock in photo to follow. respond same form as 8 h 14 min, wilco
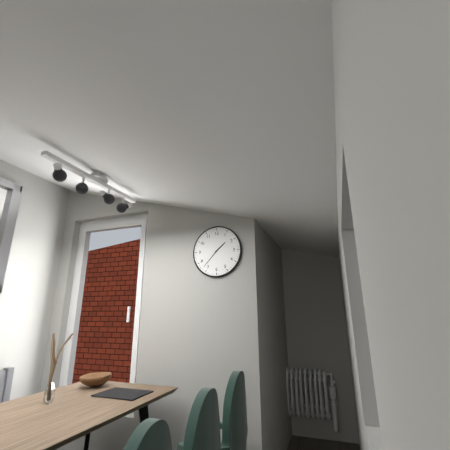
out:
1 h 37 min
